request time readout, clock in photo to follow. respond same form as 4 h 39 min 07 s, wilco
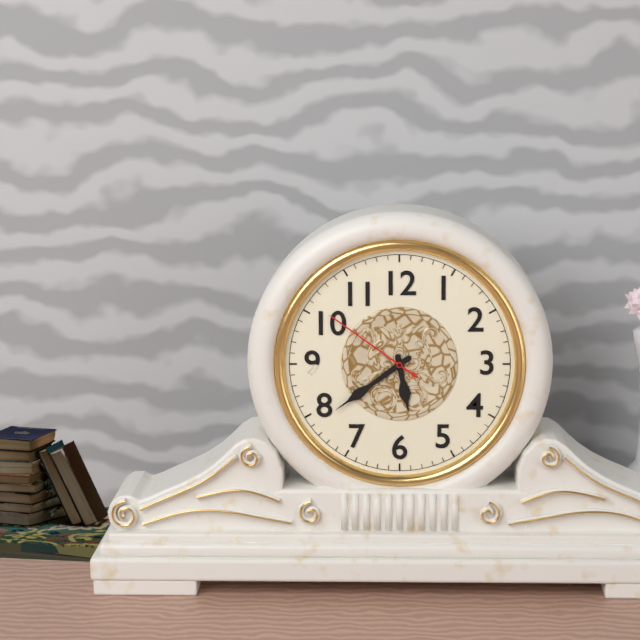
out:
5 h 39 min 51 s
